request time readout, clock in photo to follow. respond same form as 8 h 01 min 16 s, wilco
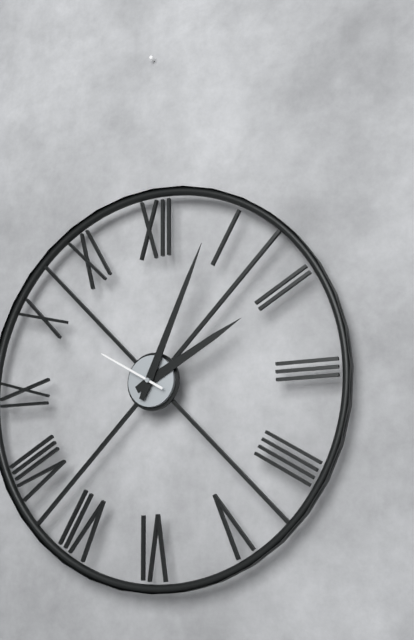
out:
2 h 04 min 50 s
